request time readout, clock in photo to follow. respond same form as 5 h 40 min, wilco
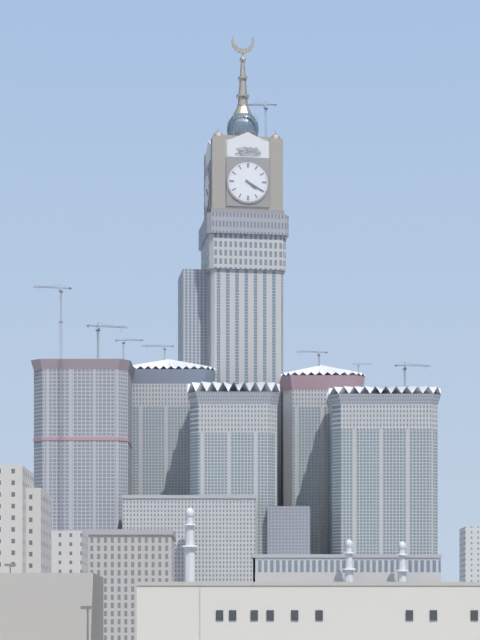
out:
4 h 20 min
